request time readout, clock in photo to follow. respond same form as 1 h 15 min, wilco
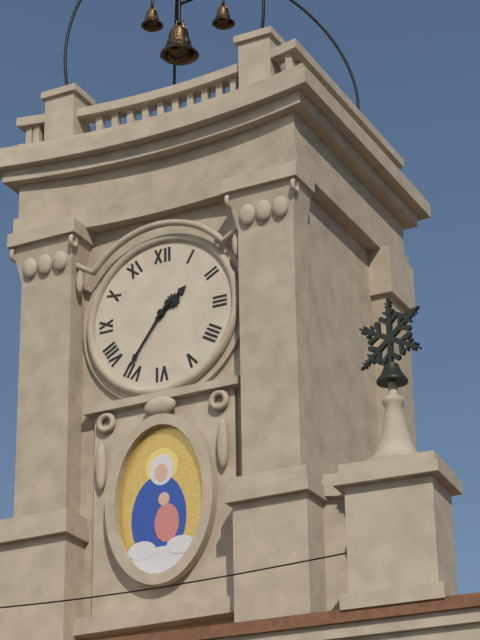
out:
1 h 36 min
